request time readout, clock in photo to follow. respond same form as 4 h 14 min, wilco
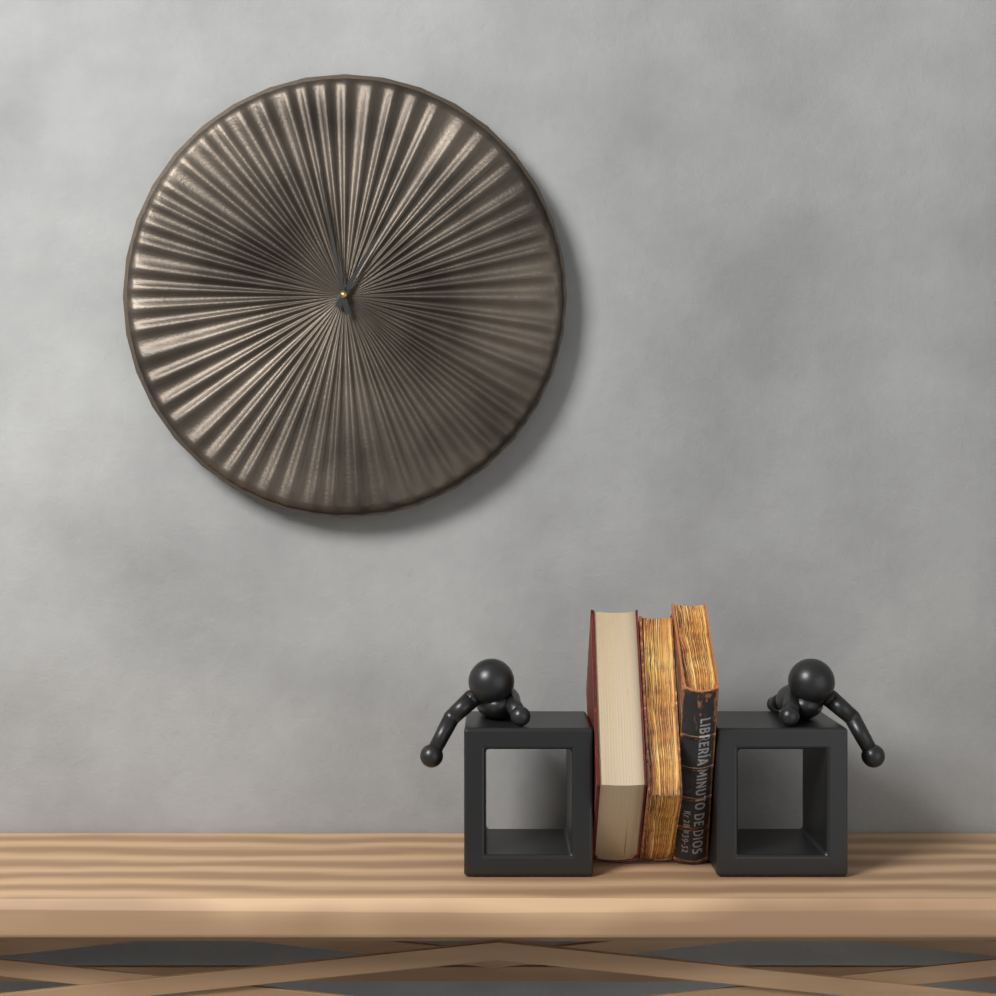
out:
12 h 58 min
